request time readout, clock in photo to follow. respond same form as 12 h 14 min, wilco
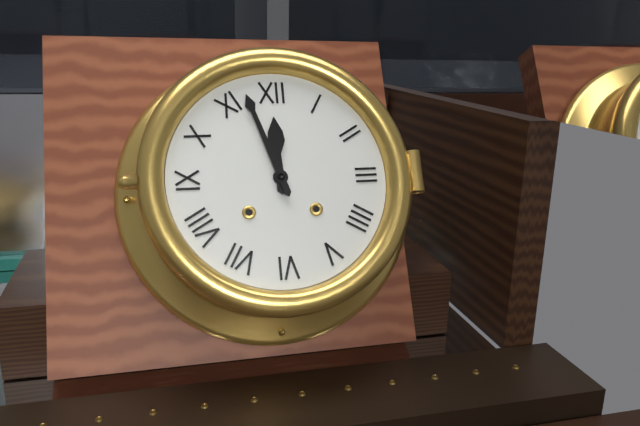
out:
11 h 57 min
